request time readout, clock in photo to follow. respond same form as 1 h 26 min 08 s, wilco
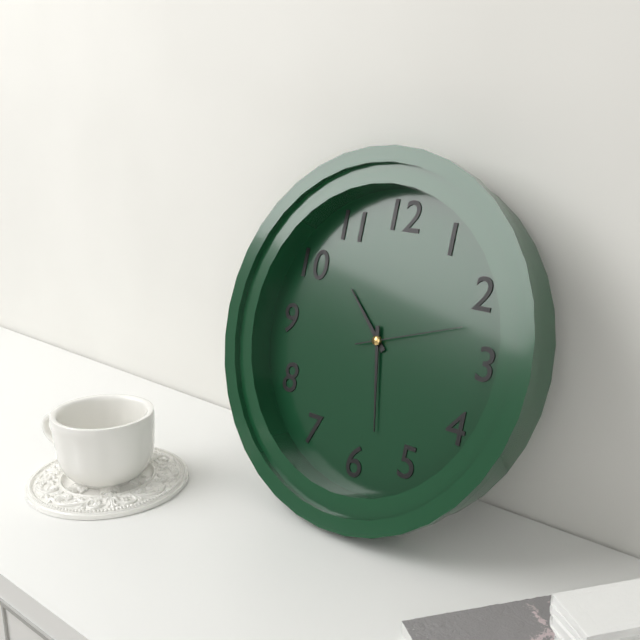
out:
10 h 28 min 12 s
